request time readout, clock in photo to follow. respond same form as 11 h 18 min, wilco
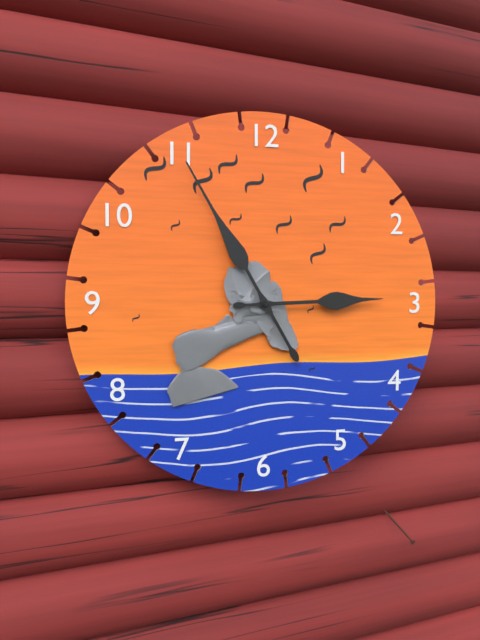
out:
2 h 55 min
